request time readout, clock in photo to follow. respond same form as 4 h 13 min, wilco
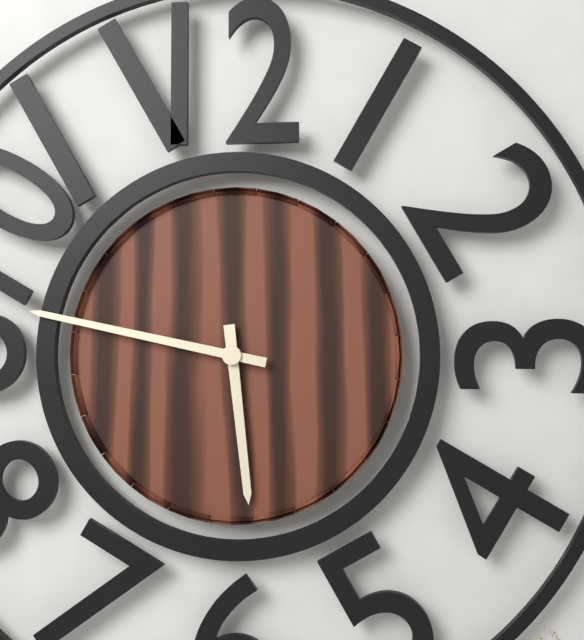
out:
5 h 47 min
